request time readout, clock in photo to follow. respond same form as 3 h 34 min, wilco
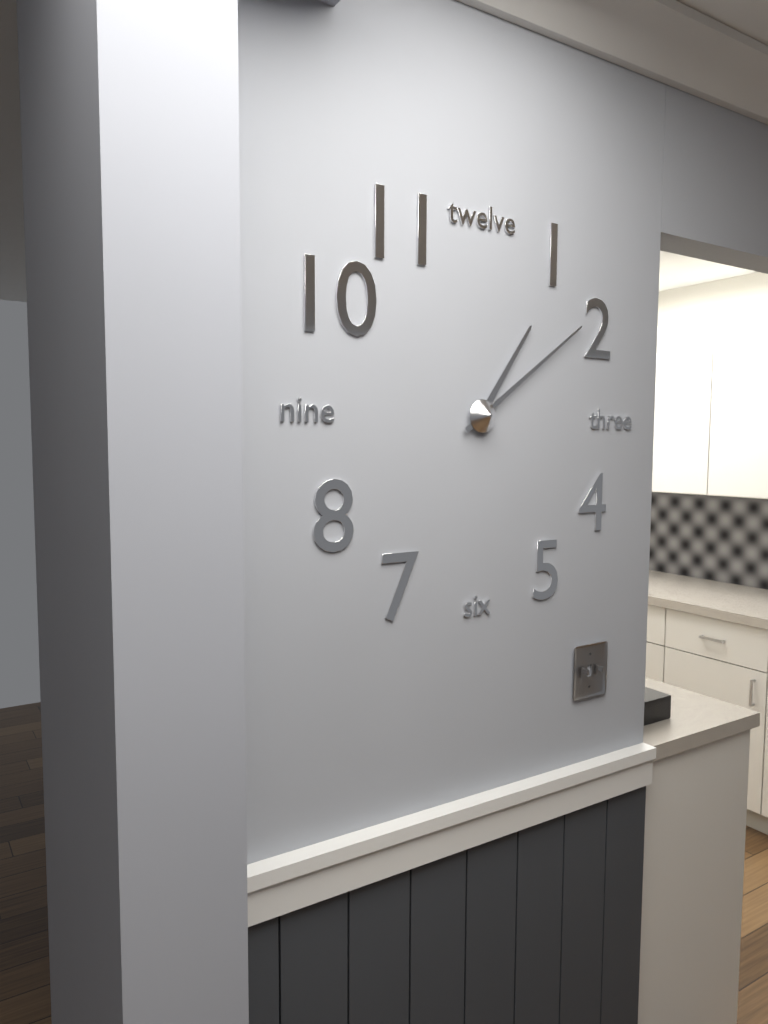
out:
1 h 09 min
